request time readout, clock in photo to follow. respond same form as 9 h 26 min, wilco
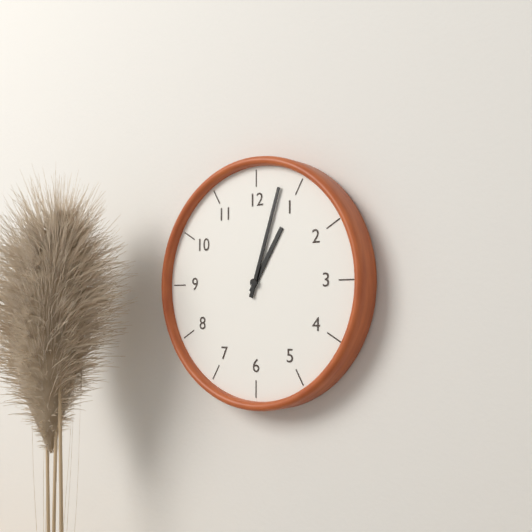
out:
1 h 03 min
